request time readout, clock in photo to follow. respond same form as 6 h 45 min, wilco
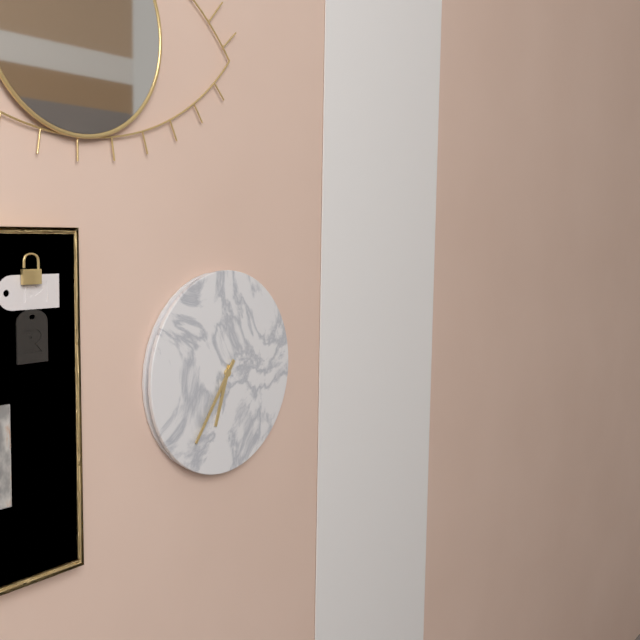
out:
6 h 36 min
